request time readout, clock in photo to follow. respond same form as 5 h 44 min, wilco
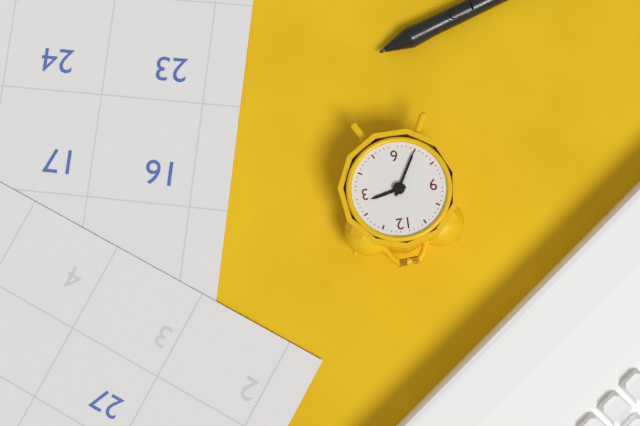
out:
2 h 35 min
